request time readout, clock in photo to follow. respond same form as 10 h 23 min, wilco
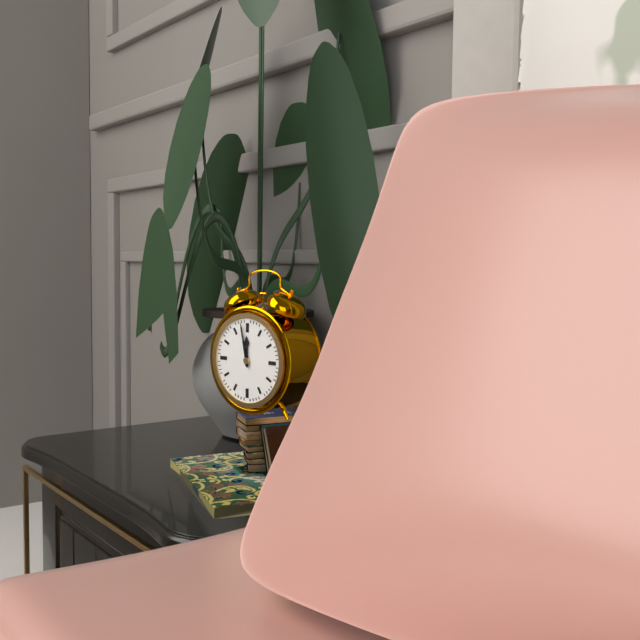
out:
11 h 58 min
